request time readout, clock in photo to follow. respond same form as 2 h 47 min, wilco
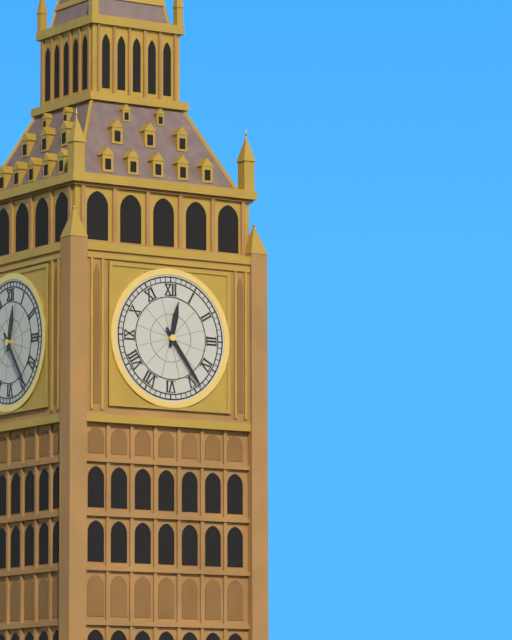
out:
12 h 24 min
